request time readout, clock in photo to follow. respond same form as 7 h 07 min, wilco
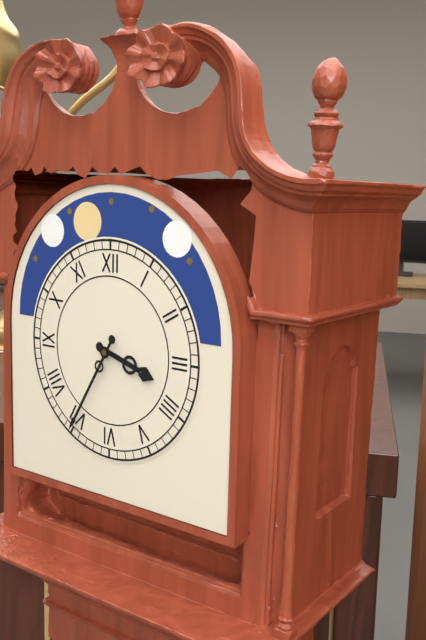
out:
3 h 35 min
